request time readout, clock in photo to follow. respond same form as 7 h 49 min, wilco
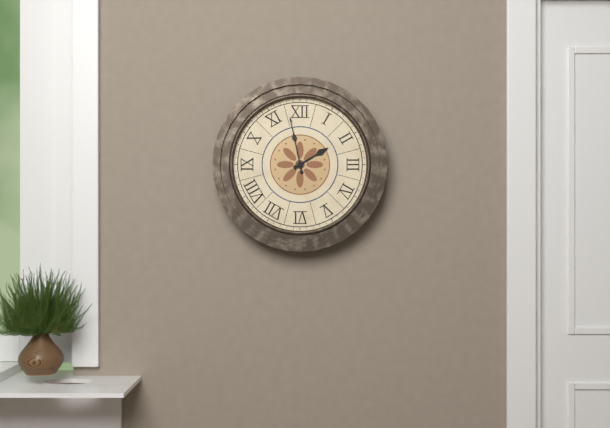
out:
1 h 58 min
